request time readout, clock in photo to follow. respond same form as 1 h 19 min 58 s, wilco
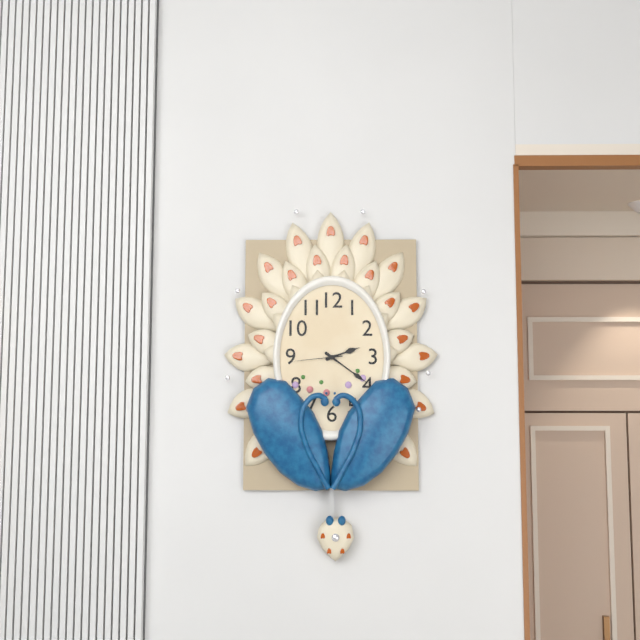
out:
2 h 21 min 44 s
